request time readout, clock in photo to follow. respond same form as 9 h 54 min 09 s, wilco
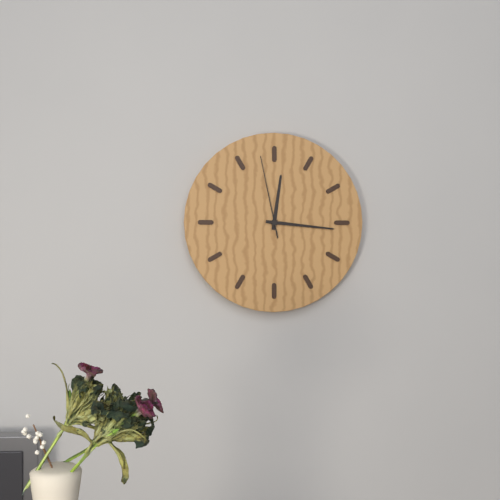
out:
12 h 16 min 58 s
